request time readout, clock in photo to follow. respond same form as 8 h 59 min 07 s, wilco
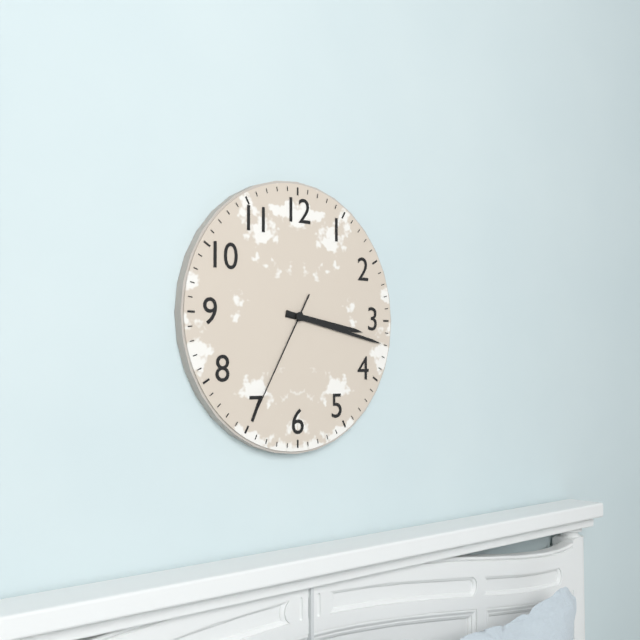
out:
3 h 17 min 35 s
